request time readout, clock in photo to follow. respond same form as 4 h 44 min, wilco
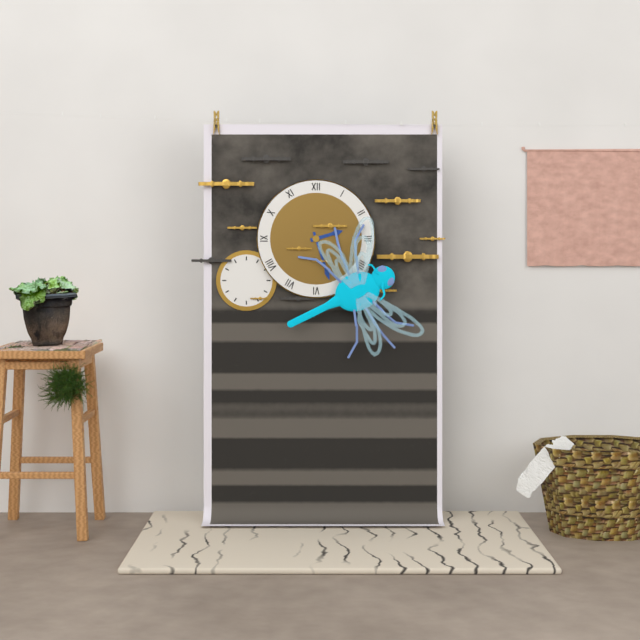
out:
2 h 27 min
